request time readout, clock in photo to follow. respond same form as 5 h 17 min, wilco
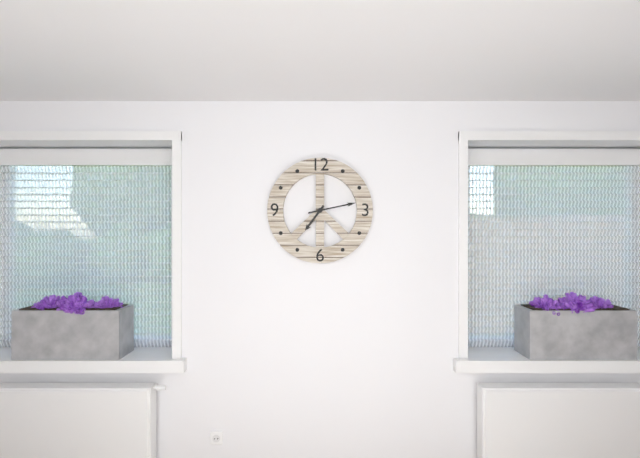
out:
7 h 13 min
